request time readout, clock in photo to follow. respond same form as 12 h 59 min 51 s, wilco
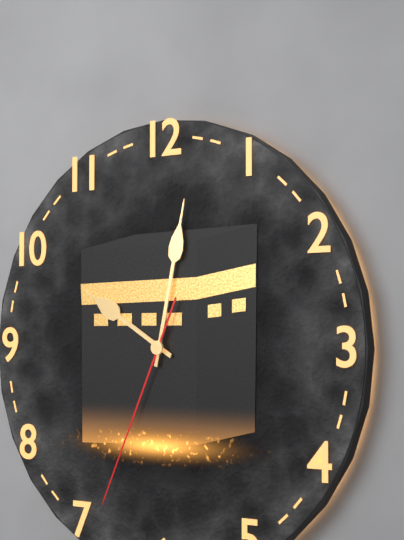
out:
10 h 02 min 34 s
